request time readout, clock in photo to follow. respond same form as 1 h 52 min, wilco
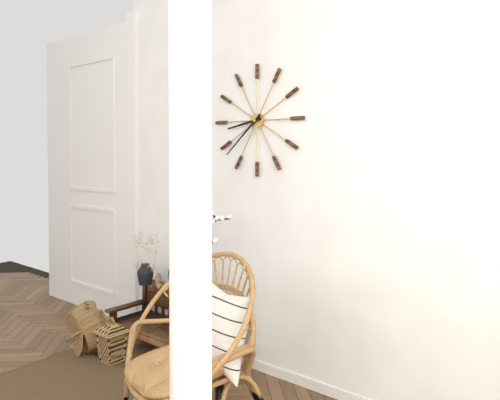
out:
8 h 38 min
